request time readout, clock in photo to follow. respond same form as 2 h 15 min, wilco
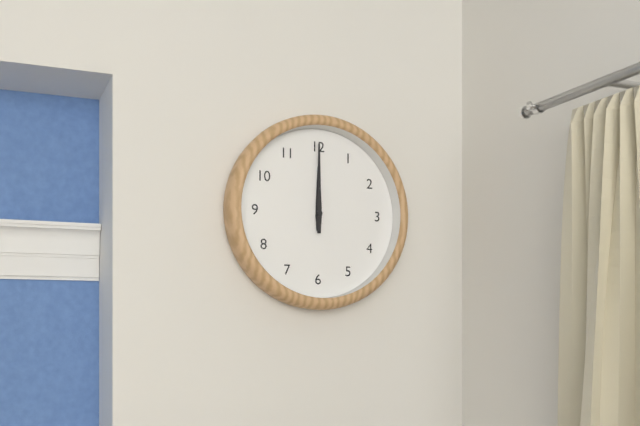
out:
12 h 00 min
